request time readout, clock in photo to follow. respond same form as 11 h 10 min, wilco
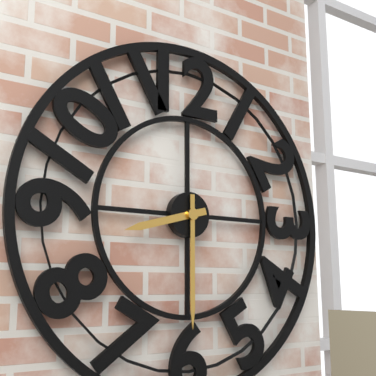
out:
8 h 30 min
